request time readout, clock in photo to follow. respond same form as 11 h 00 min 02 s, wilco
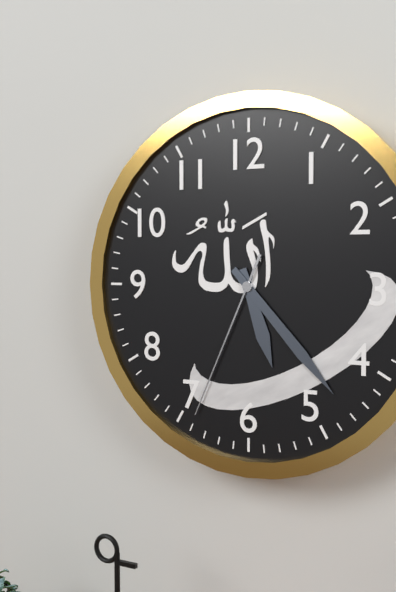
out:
5 h 23 min 34 s
